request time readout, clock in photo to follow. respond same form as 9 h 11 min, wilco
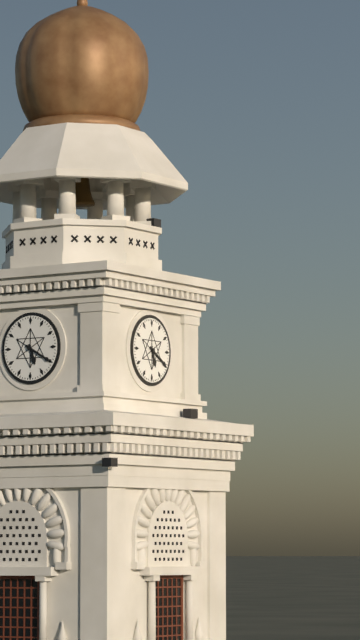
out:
5 h 20 min
